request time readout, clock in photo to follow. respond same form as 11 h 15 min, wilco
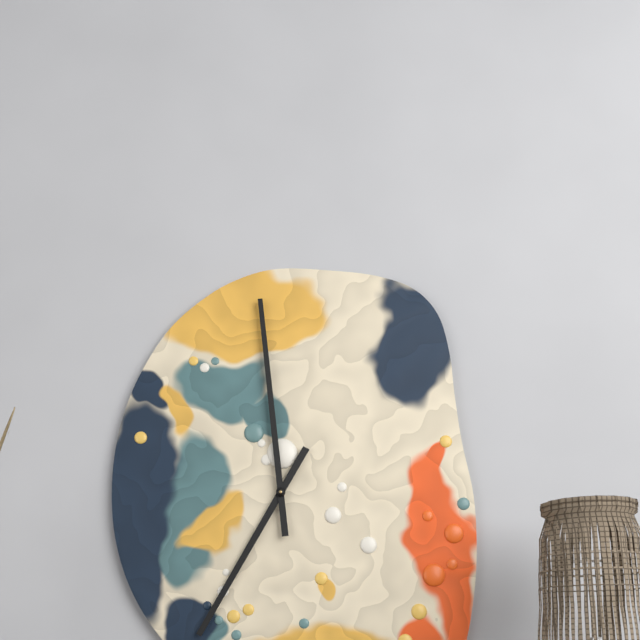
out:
6 h 59 min
